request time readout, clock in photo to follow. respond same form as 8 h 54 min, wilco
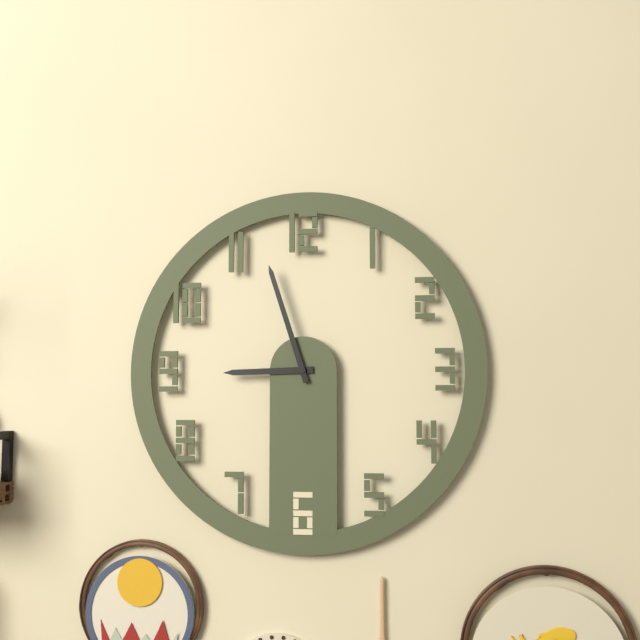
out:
8 h 57 min
